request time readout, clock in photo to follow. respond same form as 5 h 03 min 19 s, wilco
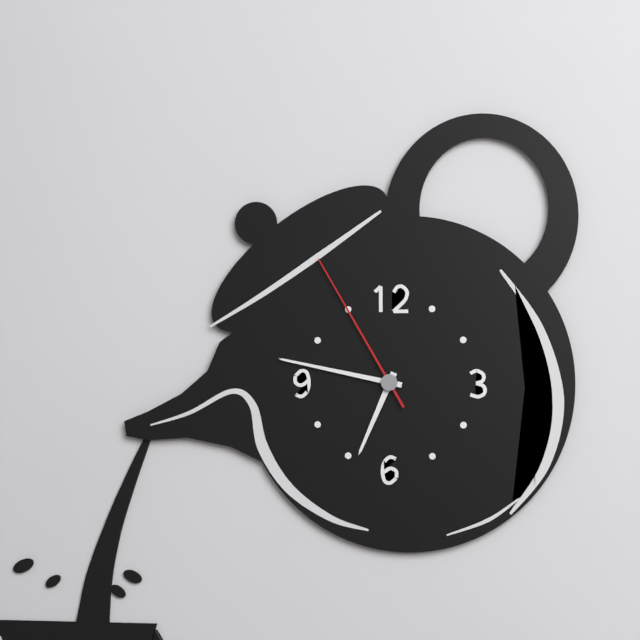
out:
6 h 47 min 55 s
